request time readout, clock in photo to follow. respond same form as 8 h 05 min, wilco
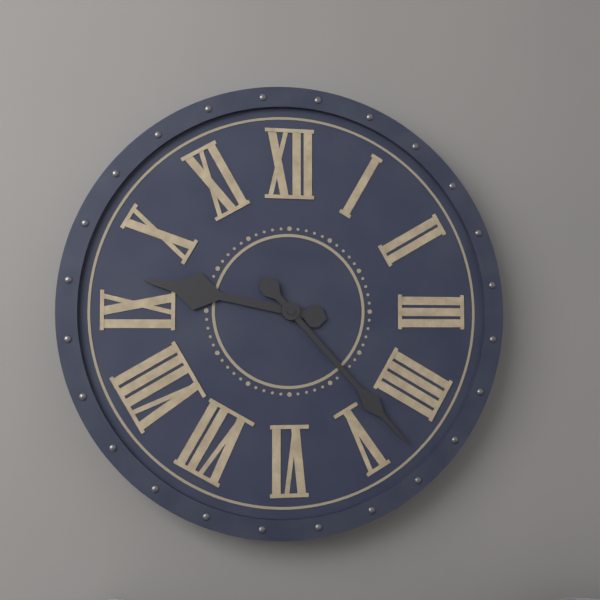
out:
9 h 23 min
